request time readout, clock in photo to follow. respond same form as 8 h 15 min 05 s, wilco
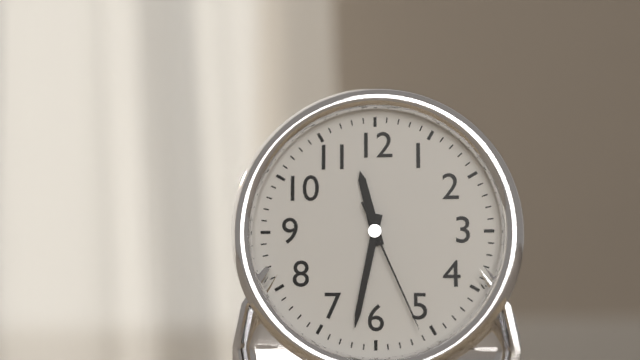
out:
11 h 32 min 26 s
